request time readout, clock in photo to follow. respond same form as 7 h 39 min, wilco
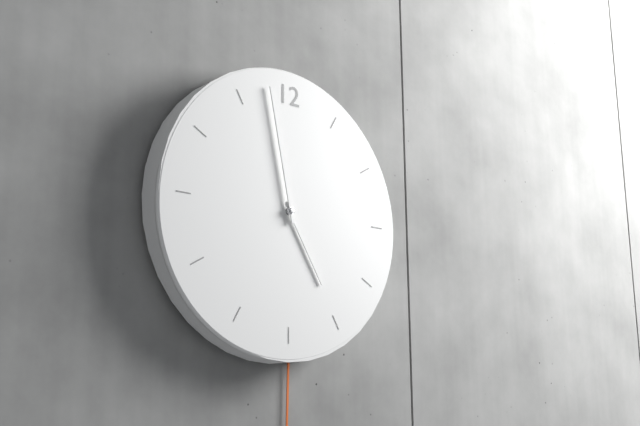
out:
4 h 58 min
